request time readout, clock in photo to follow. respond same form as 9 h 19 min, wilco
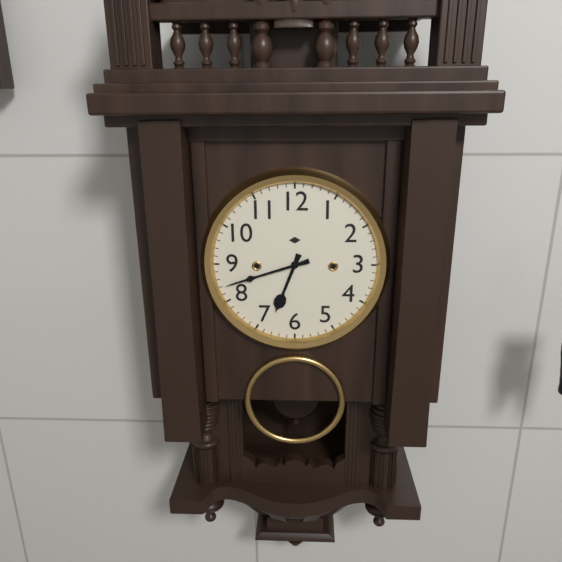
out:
6 h 42 min
